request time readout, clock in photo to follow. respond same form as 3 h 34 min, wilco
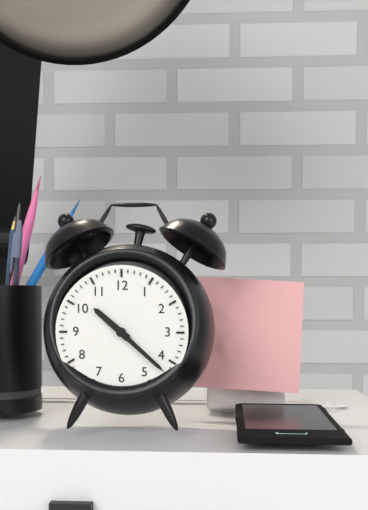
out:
10 h 22 min
